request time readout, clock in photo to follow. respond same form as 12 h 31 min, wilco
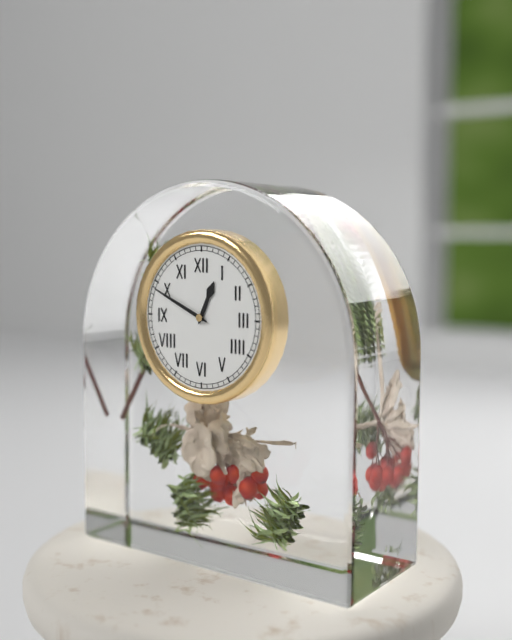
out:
12 h 49 min
